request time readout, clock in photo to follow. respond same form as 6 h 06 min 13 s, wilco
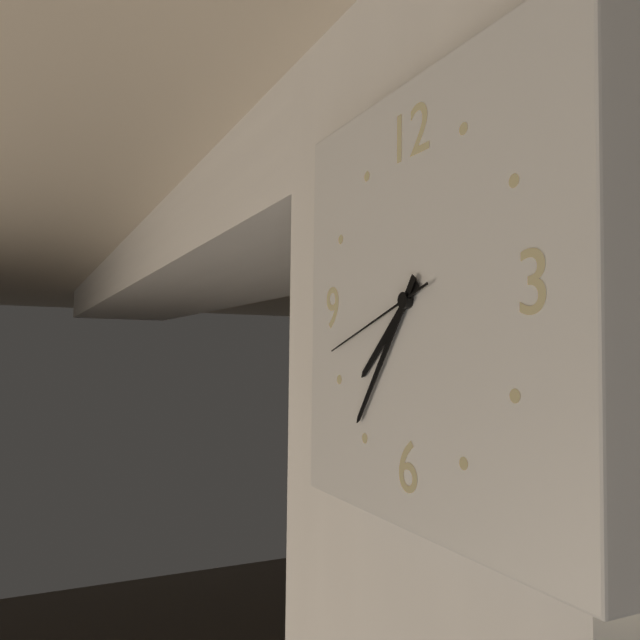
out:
7 h 36 min 42 s
